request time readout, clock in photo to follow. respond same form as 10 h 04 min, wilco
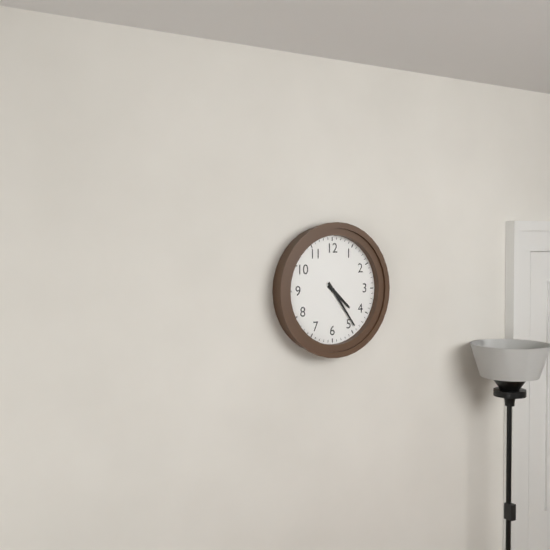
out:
4 h 24 min
